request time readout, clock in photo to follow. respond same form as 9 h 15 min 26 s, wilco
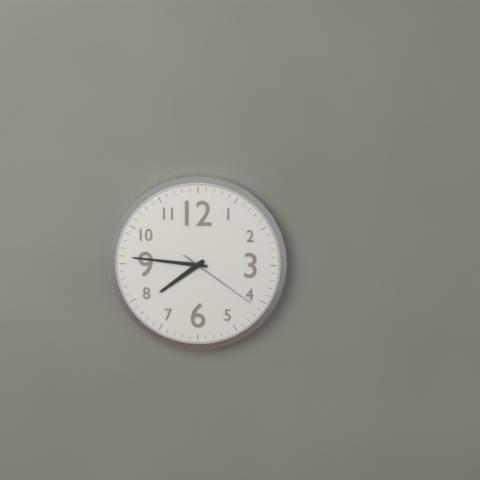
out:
7 h 46 min 21 s
